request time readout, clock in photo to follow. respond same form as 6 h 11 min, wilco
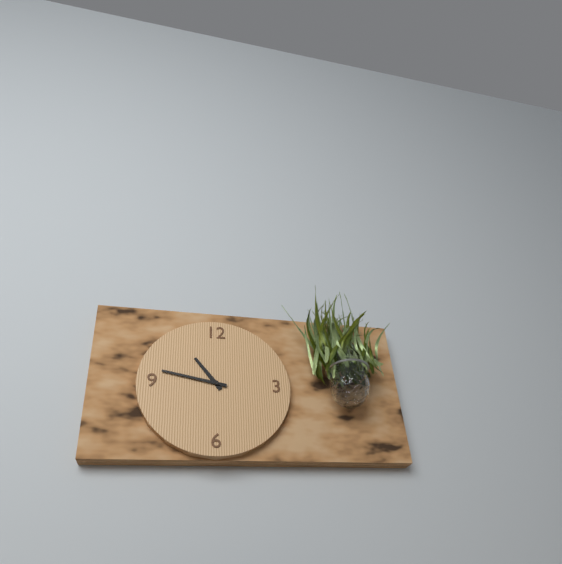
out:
10 h 47 min
